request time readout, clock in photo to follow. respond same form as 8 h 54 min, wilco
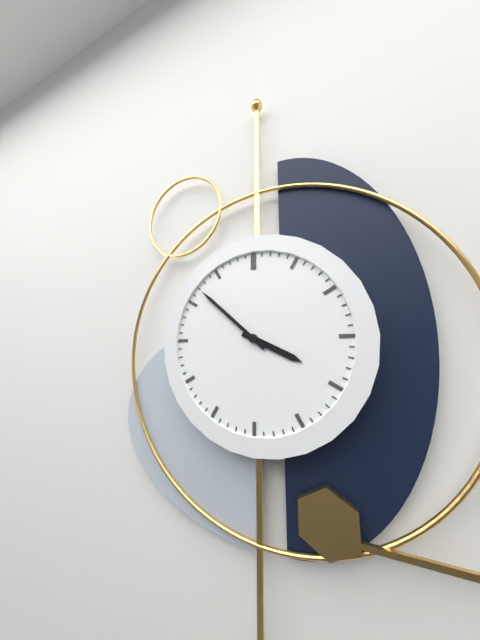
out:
3 h 52 min
